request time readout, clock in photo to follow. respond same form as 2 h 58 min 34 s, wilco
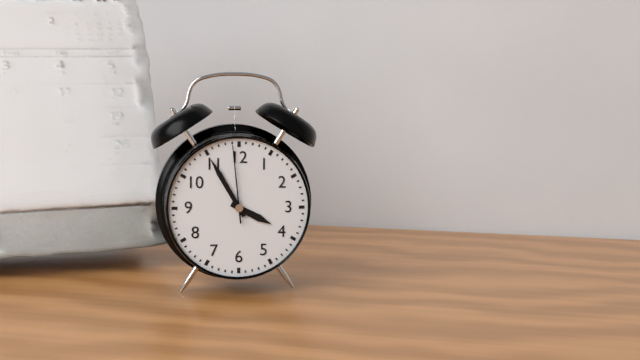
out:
3 h 55 min 59 s
